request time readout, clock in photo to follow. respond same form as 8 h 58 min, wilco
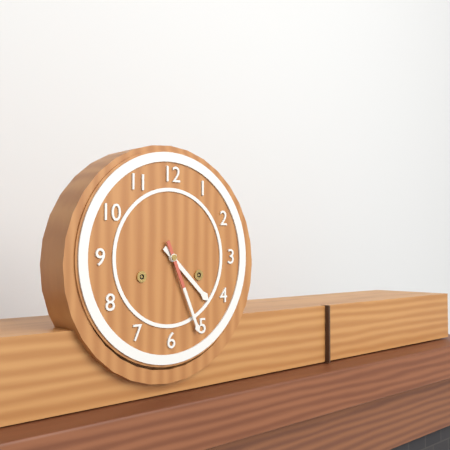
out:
4 h 26 min
